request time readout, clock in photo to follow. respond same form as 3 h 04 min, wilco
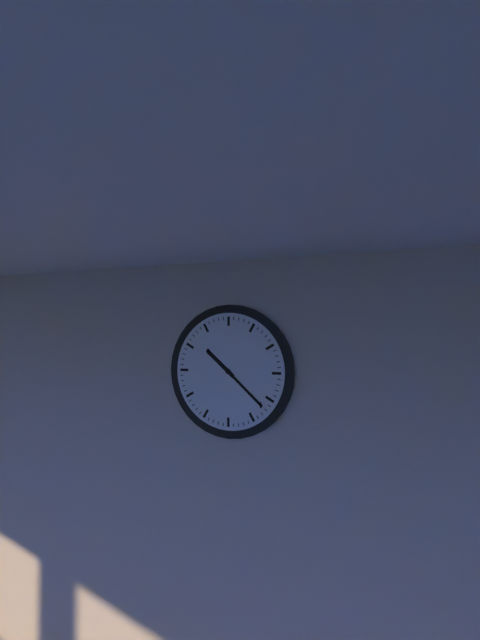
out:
10 h 22 min
